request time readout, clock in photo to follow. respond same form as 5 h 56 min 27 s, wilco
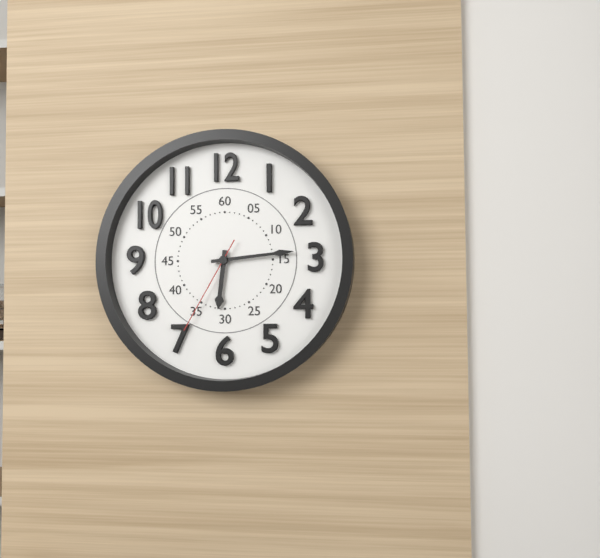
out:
6 h 14 min 35 s
